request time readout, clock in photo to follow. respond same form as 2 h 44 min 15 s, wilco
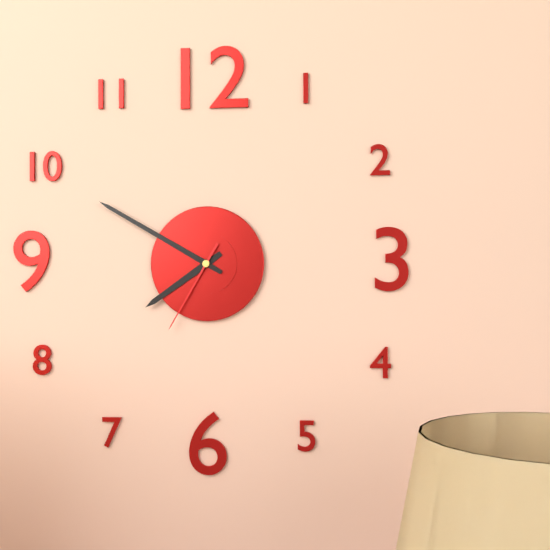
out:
7 h 50 min 35 s
